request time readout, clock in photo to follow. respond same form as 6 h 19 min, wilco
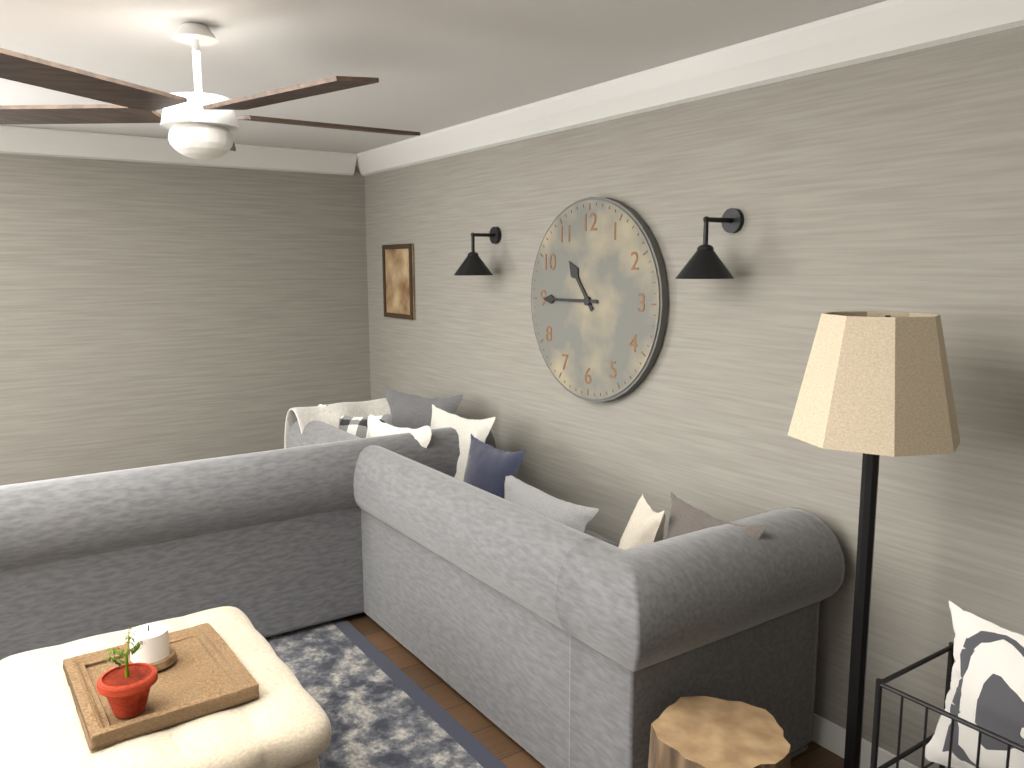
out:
10 h 45 min
